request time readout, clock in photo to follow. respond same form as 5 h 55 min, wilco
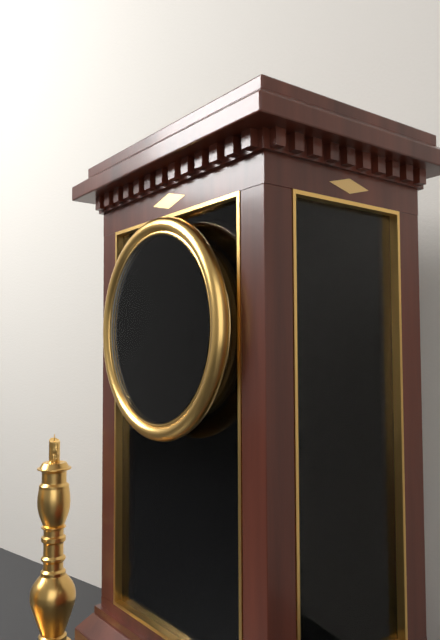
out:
2 h 50 min
